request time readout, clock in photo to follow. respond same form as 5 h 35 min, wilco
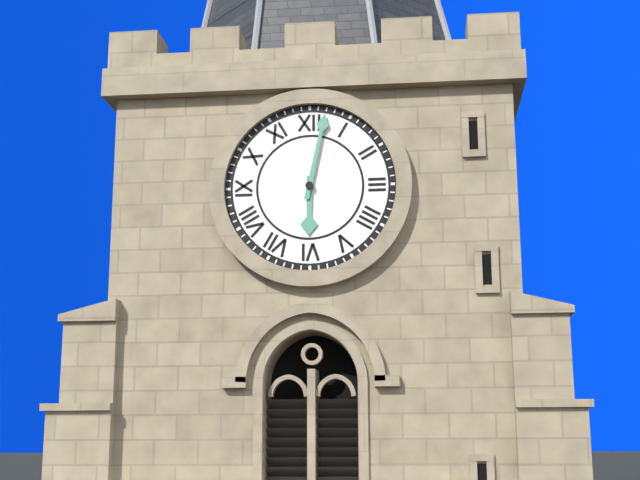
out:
6 h 02 min
